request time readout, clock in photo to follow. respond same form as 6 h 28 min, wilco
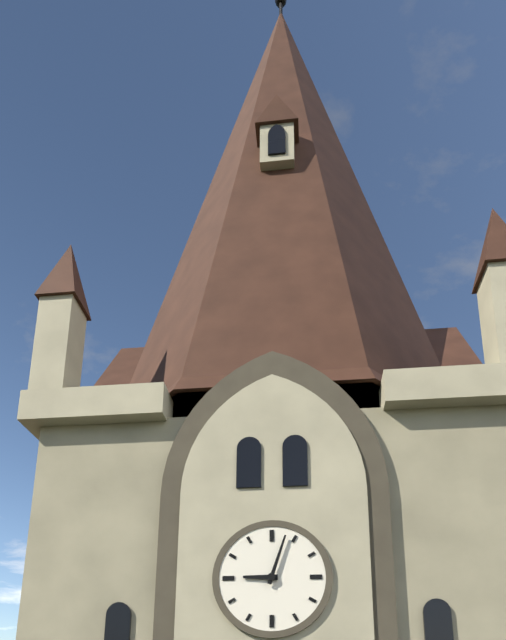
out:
9 h 03 min
